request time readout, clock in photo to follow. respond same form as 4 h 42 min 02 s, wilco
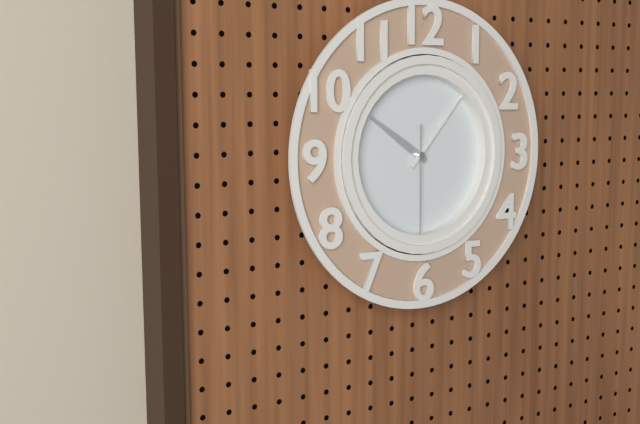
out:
10 h 07 min 30 s
